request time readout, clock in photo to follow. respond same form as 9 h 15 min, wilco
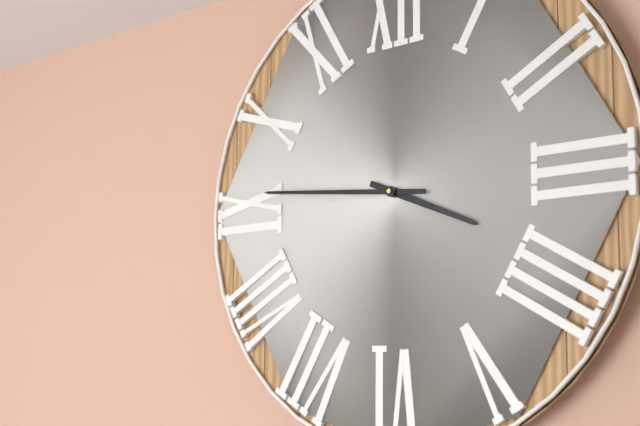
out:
3 h 46 min
